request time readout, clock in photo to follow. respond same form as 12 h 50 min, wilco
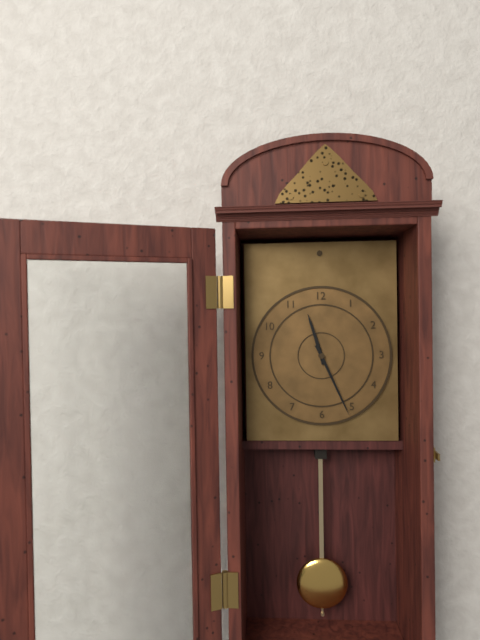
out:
11 h 26 min
